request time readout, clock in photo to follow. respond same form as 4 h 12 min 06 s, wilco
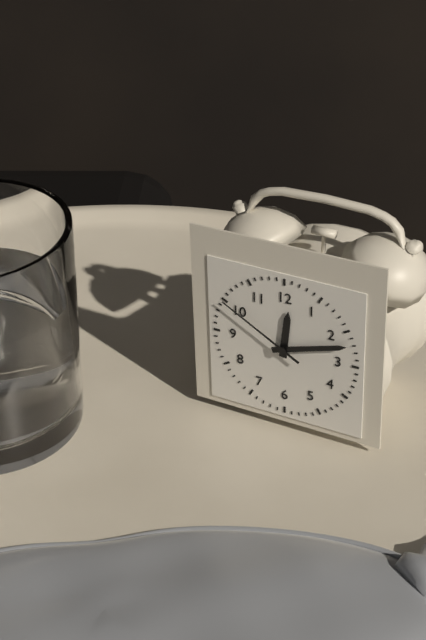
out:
12 h 12 min 50 s
